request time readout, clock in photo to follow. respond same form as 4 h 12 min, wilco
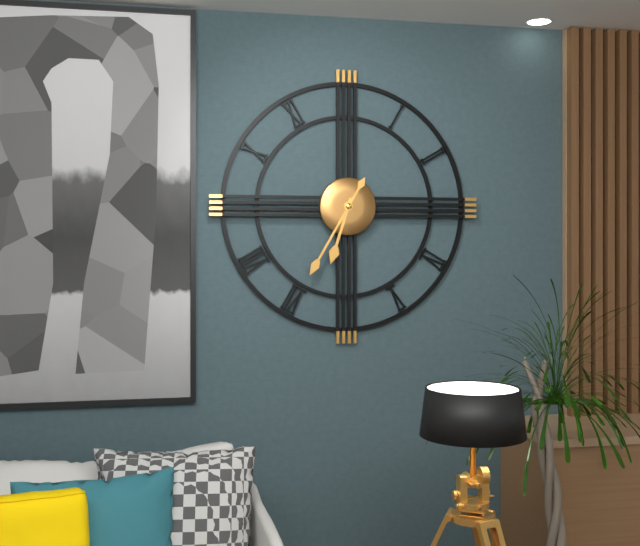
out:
6 h 35 min
